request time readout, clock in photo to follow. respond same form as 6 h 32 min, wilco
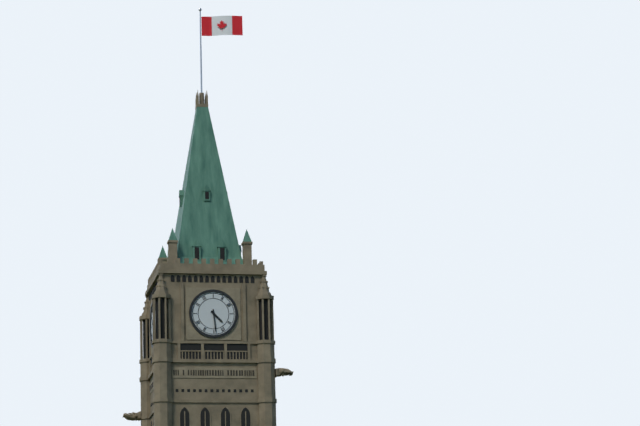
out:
4 h 29 min
